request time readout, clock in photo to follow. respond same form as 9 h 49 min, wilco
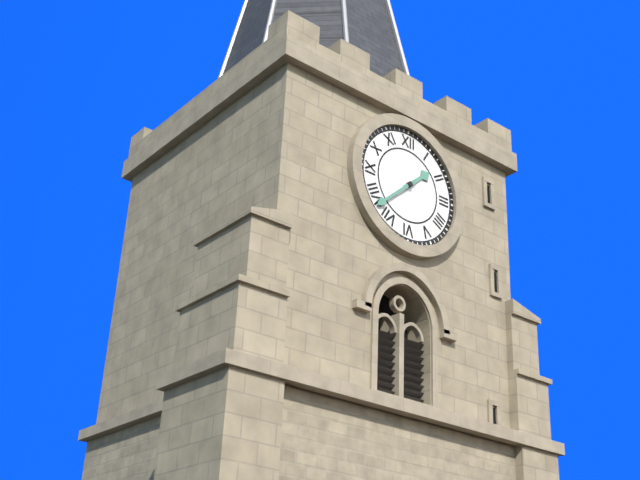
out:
1 h 38 min
